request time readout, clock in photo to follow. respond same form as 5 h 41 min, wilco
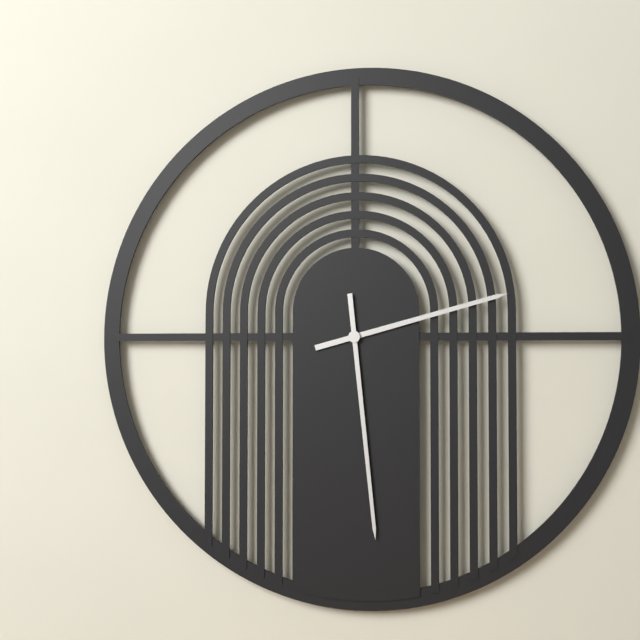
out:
2 h 29 min
